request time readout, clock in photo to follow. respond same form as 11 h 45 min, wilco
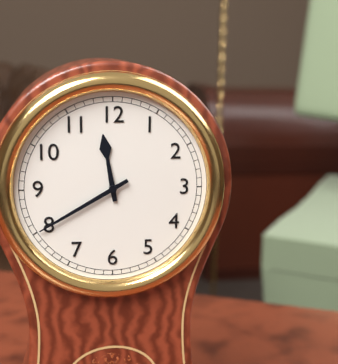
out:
11 h 40 min
